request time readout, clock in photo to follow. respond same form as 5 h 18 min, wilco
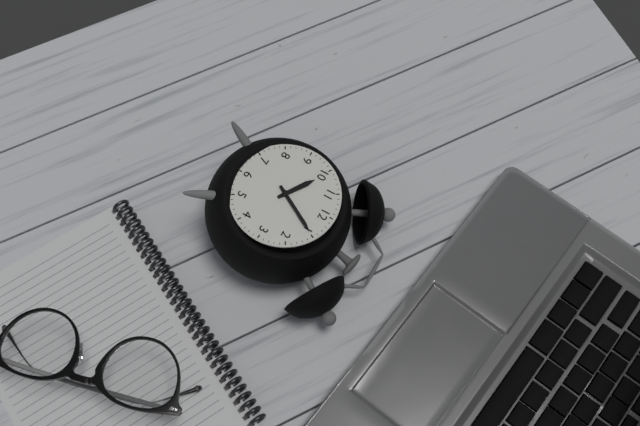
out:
10 h 05 min
